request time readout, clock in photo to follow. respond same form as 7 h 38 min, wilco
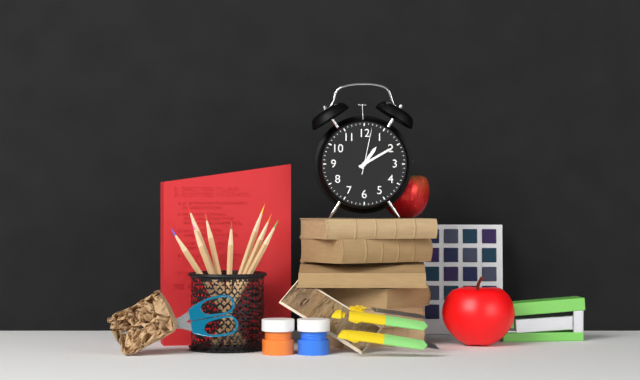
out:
1 h 10 min
